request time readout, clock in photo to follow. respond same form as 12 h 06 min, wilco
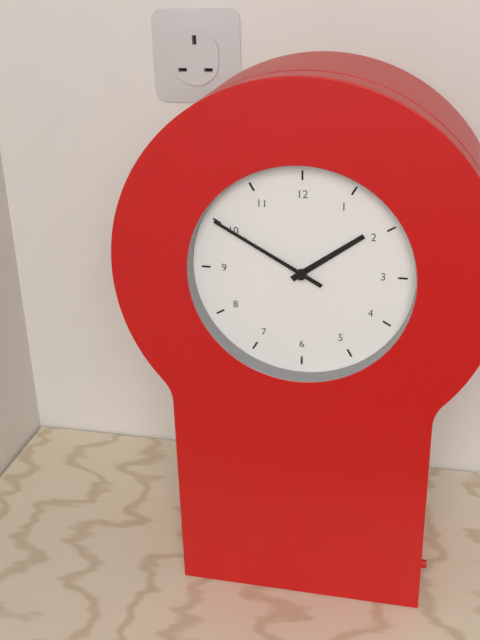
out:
1 h 50 min
